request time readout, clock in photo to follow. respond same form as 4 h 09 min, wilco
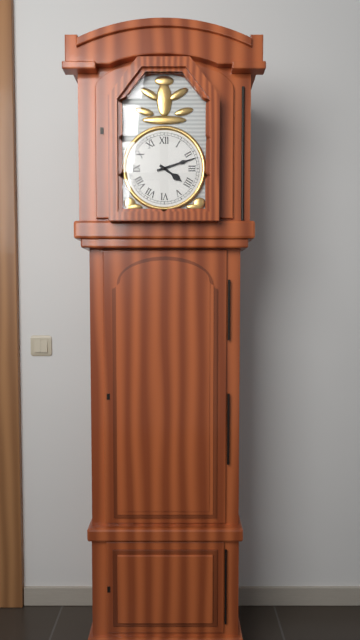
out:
4 h 12 min
